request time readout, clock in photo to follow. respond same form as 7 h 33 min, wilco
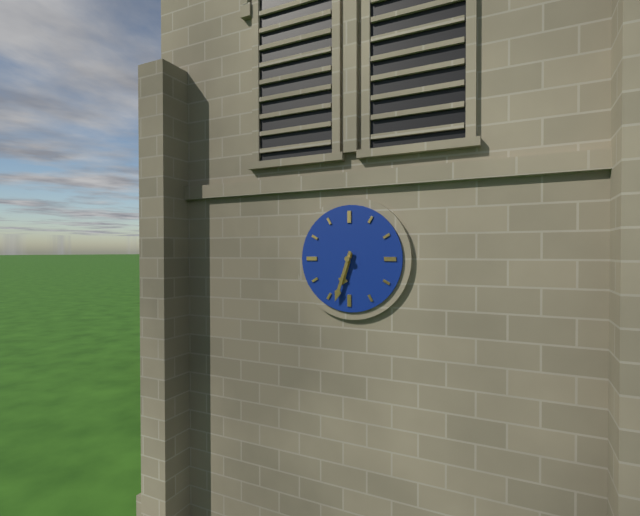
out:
6 h 33 min
